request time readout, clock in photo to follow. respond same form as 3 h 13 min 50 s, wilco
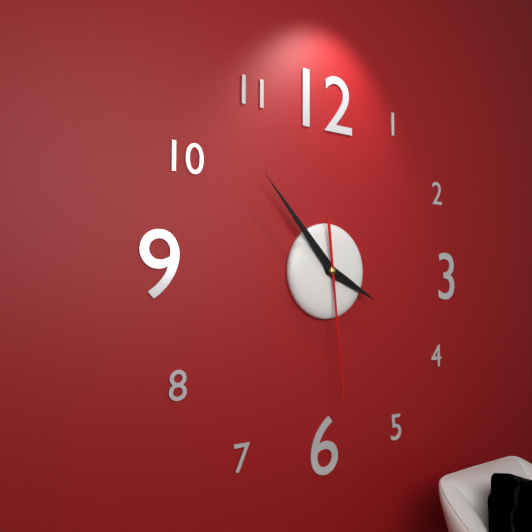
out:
3 h 53 min 29 s
